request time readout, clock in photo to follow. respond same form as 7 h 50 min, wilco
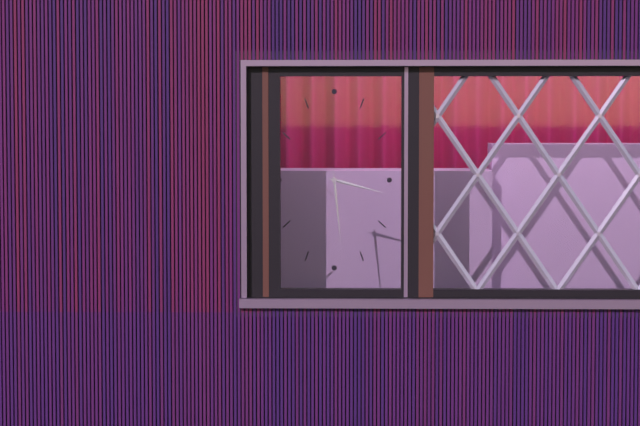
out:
3 h 29 min
